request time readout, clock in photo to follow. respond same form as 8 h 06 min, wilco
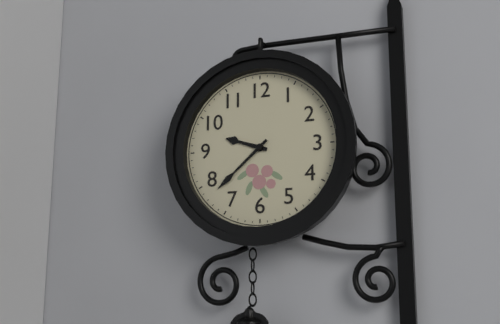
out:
9 h 38 min
